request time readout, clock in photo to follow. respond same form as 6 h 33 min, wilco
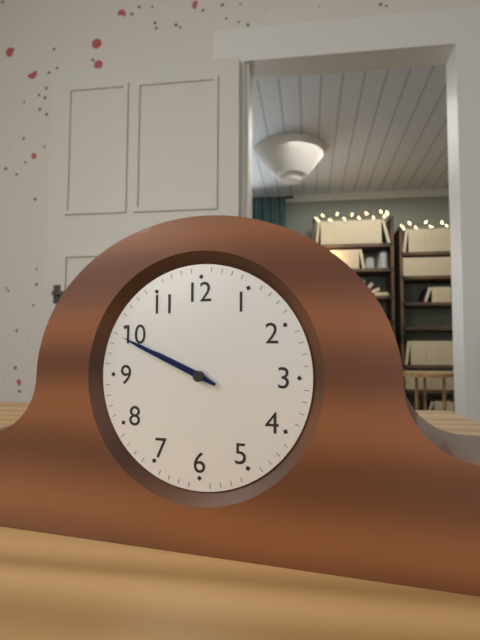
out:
9 h 49 min
